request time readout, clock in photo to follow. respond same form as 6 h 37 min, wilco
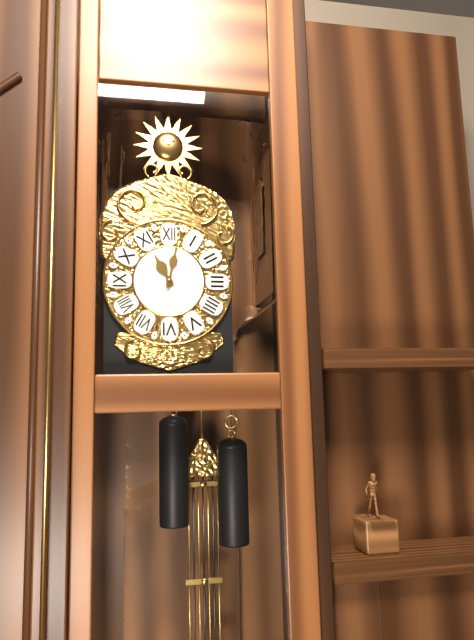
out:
11 h 02 min
